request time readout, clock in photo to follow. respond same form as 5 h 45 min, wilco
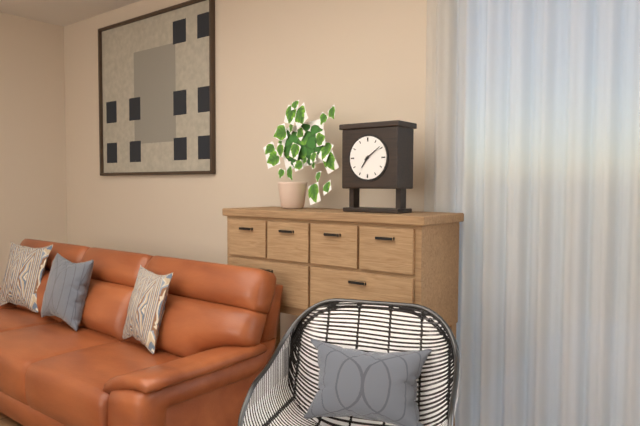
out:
7 h 09 min
